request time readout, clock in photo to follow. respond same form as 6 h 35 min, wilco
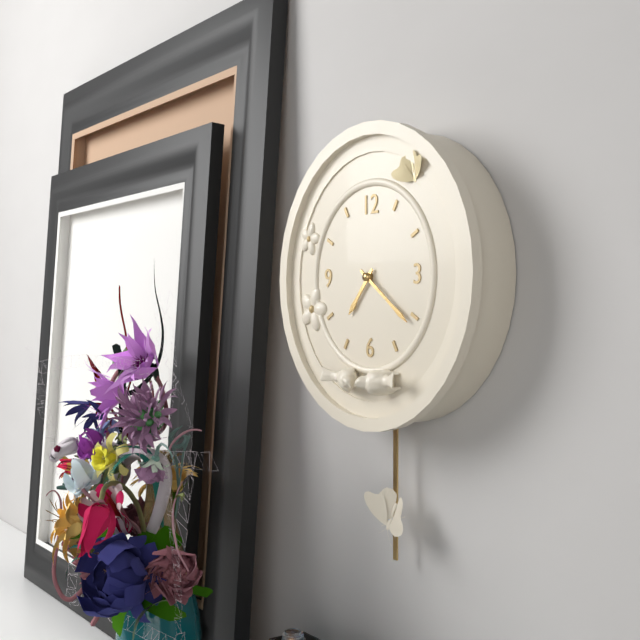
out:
7 h 21 min
